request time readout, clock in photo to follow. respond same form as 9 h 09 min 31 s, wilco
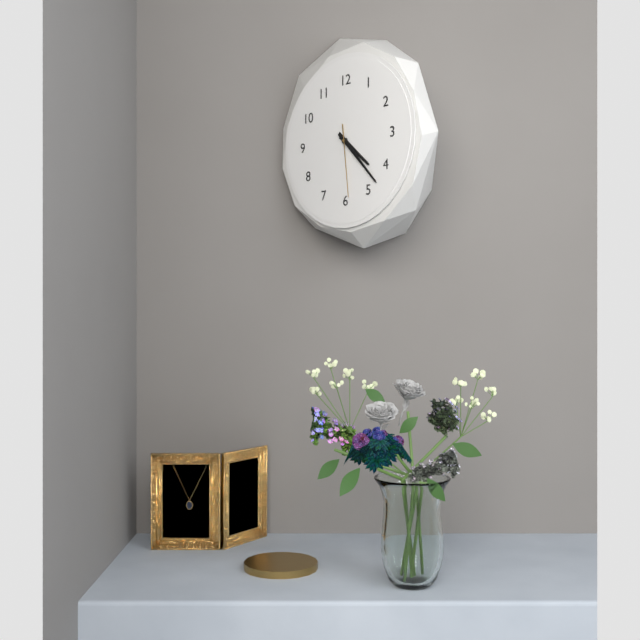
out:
4 h 23 min 29 s
